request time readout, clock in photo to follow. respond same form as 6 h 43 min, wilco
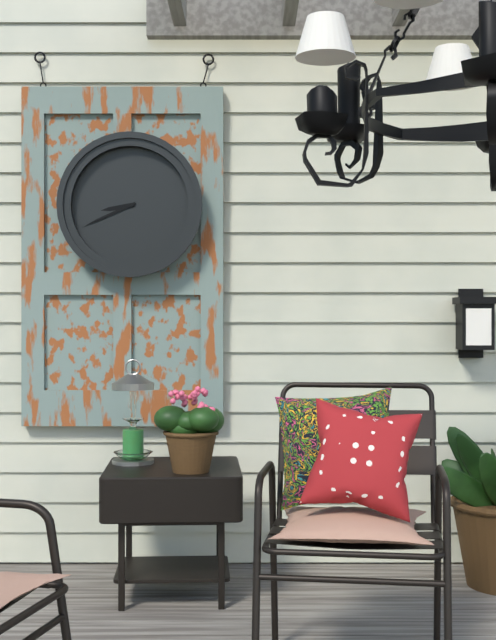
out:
8 h 41 min
